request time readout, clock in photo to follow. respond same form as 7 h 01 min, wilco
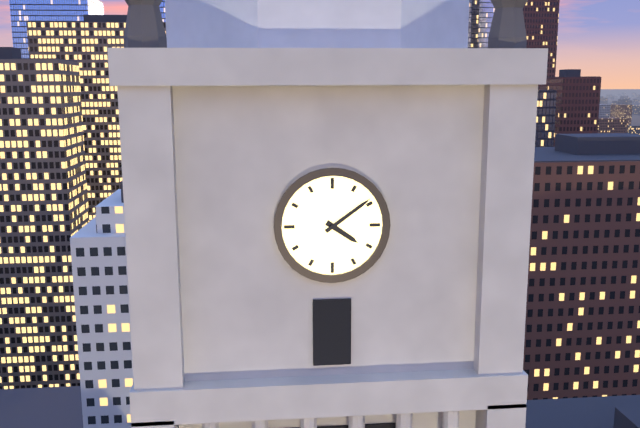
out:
4 h 09 min
